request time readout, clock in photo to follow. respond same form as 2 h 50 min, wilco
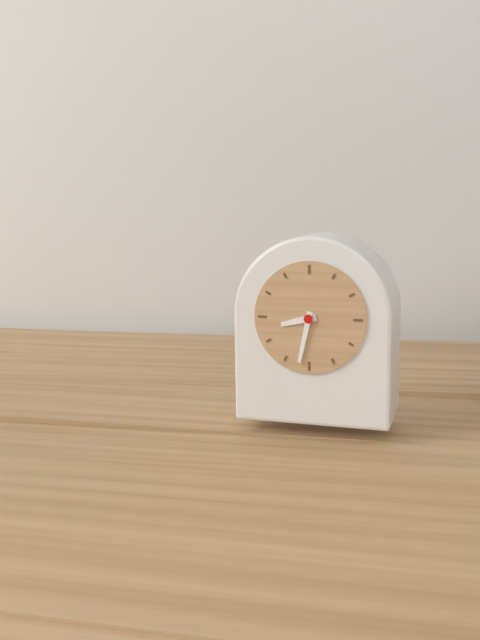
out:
8 h 32 min
